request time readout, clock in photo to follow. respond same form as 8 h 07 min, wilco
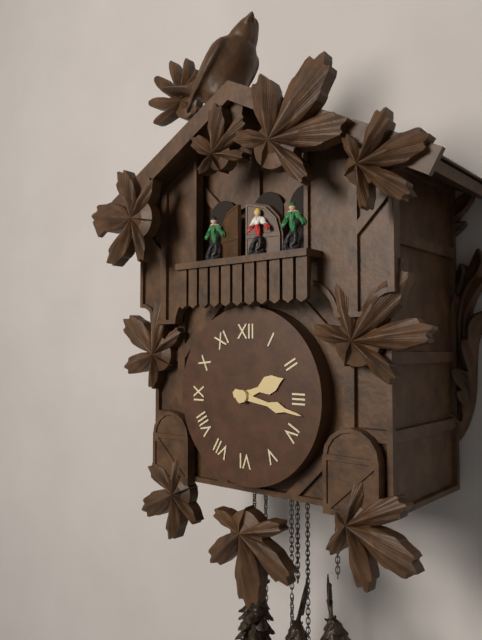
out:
2 h 17 min
